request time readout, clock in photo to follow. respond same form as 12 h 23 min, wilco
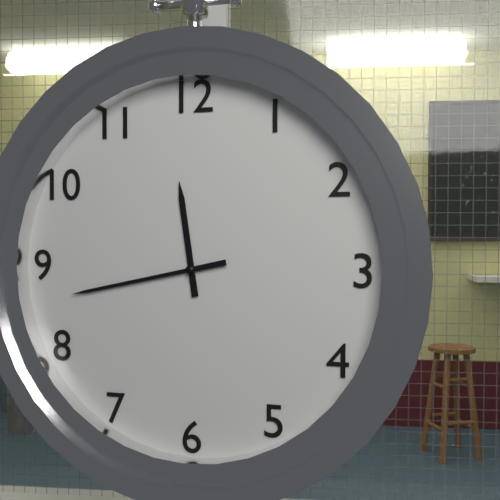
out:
11 h 43 min
